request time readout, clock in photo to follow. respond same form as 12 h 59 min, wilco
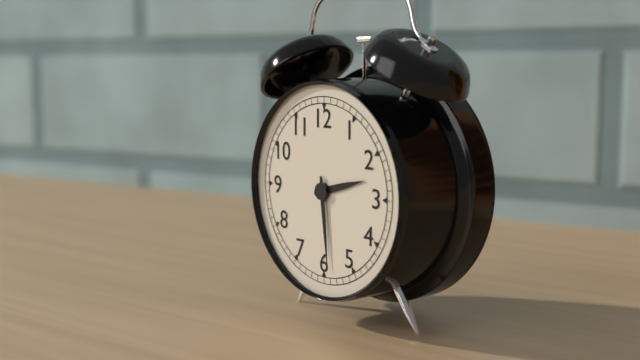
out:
2 h 29 min
